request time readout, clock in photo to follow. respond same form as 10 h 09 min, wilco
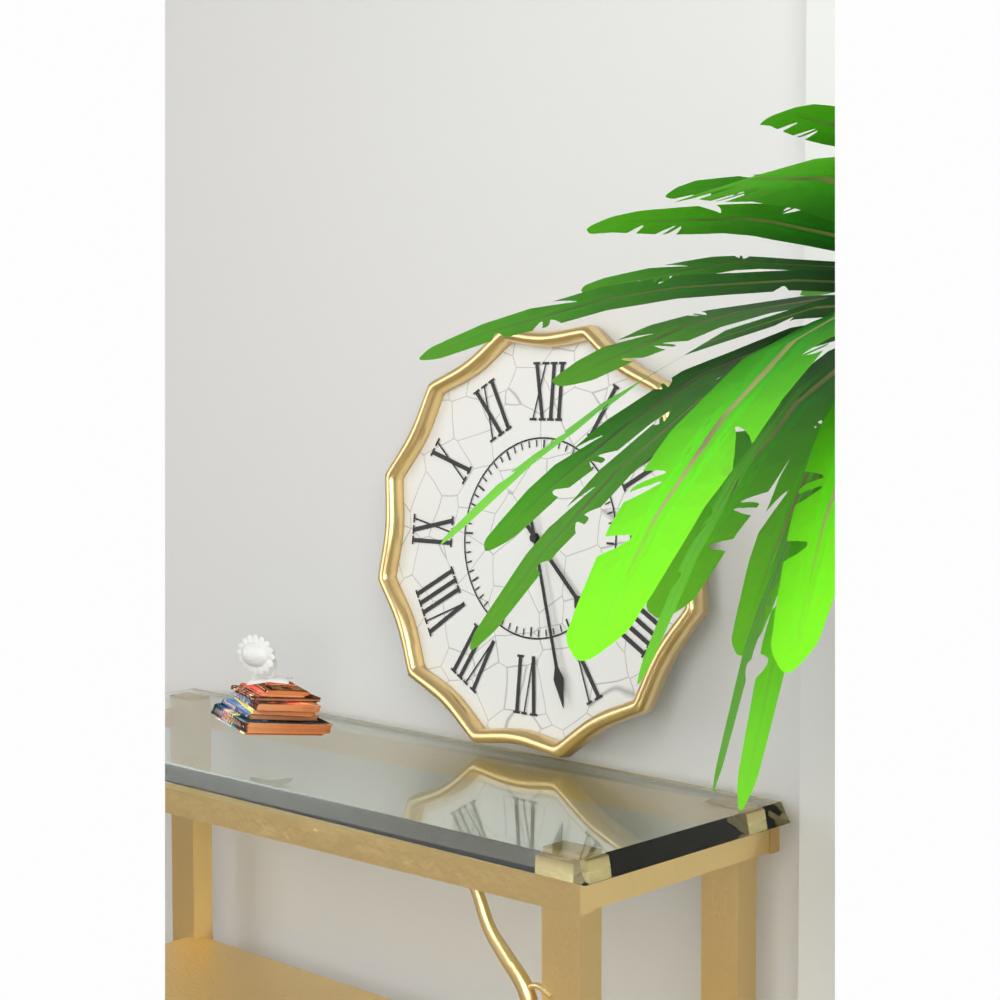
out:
4 h 27 min
